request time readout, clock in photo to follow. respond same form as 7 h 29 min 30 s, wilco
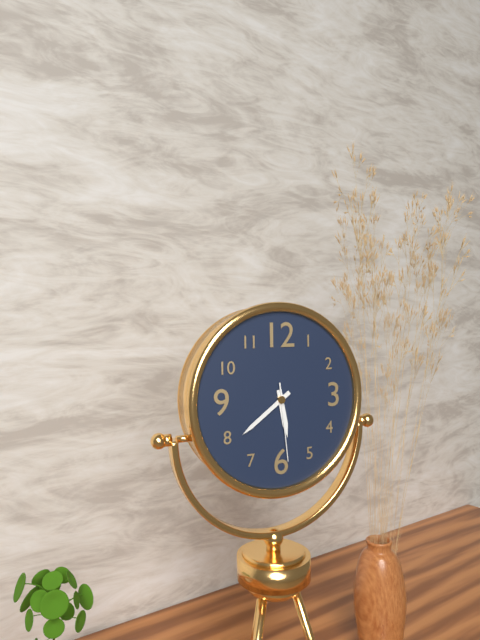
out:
5 h 39 min 29 s
